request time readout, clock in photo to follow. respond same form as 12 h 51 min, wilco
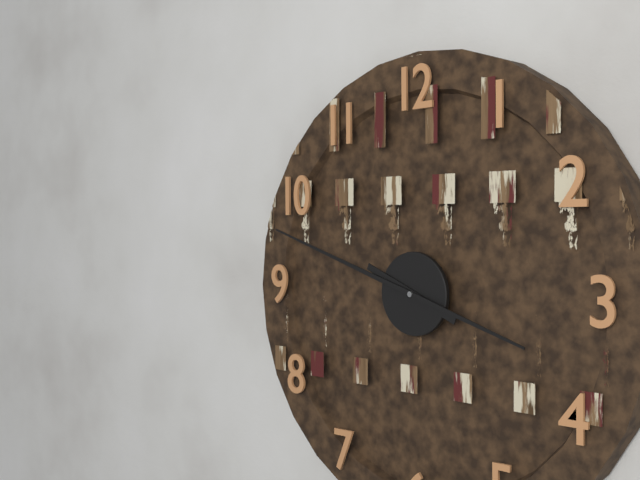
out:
9 h 48 min
